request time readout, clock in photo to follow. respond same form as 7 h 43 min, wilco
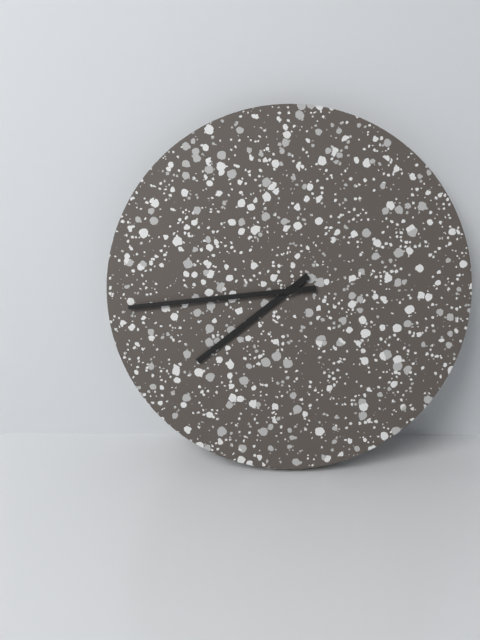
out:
7 h 44 min
